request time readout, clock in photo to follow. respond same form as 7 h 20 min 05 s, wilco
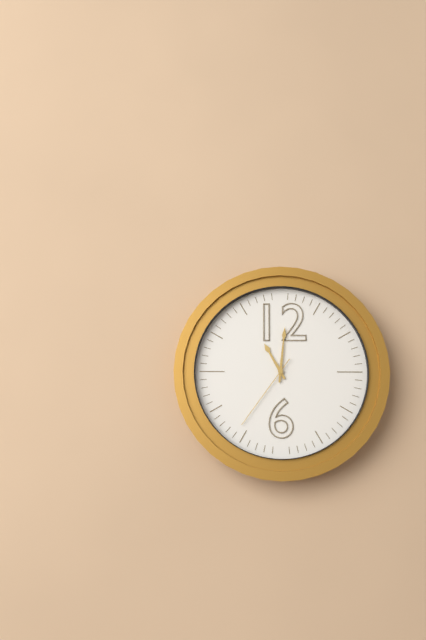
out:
11 h 01 min 36 s
